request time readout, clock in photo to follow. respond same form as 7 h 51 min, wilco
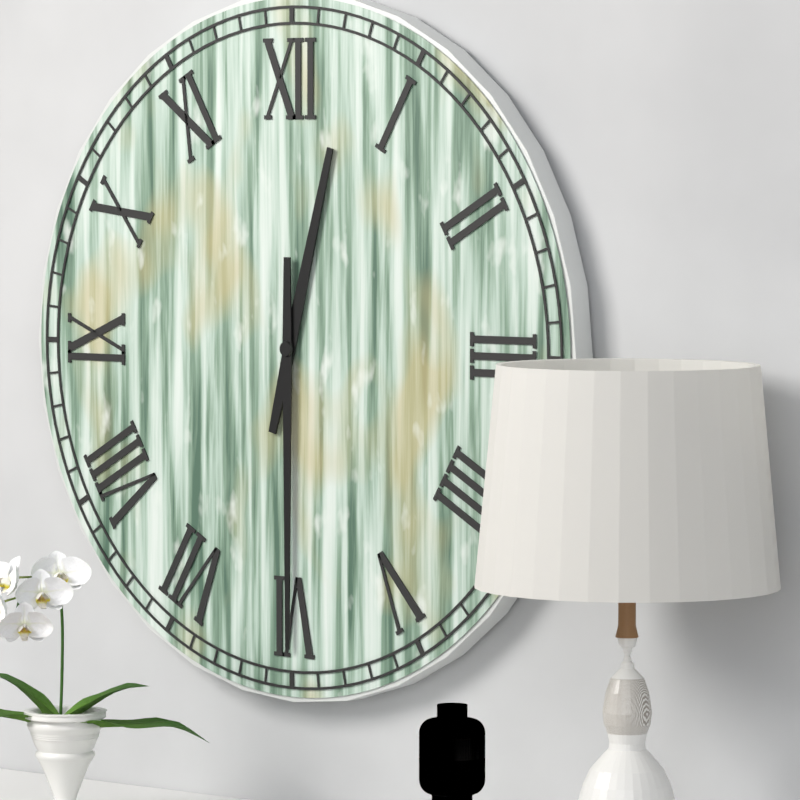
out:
12 h 30 min
